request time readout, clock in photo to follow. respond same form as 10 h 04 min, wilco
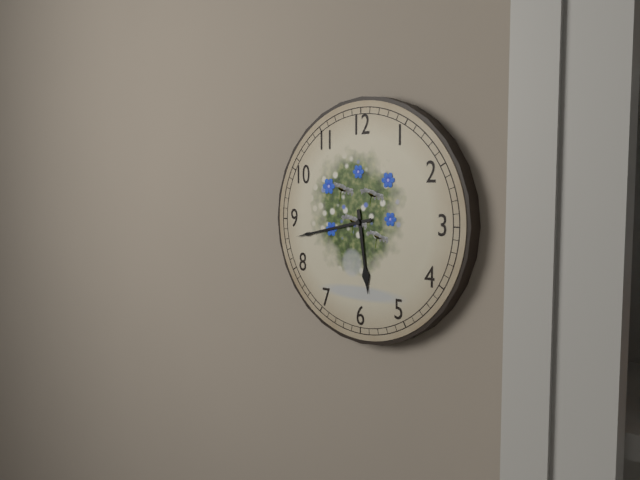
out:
5 h 43 min
